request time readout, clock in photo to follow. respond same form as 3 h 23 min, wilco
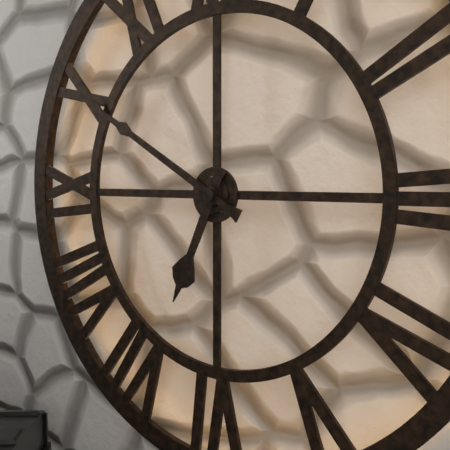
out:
6 h 50 min
